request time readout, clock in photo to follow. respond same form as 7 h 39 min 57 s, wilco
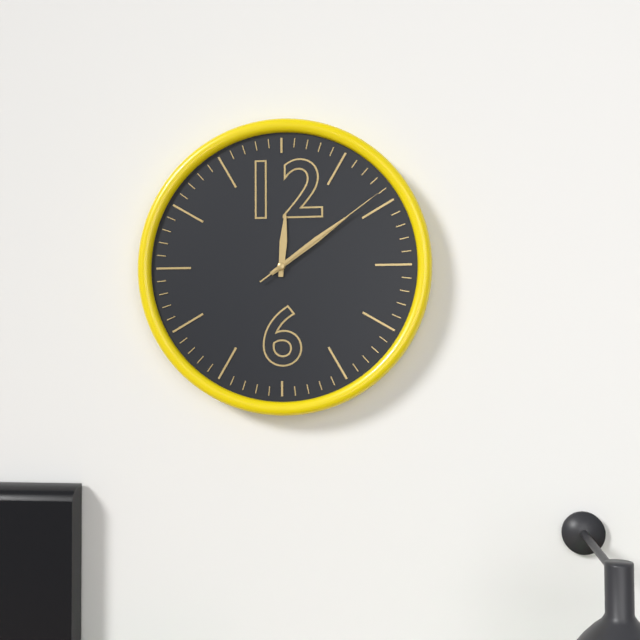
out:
12 h 09 min 09 s
